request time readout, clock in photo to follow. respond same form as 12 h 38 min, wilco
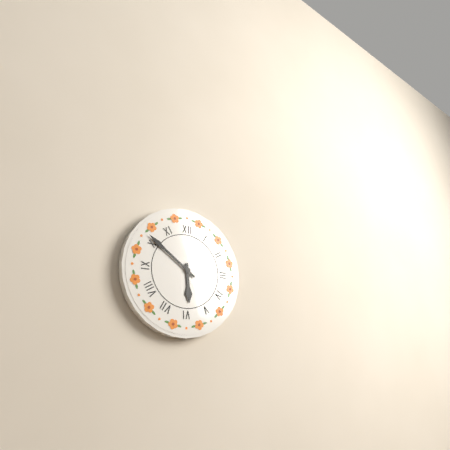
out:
5 h 51 min
